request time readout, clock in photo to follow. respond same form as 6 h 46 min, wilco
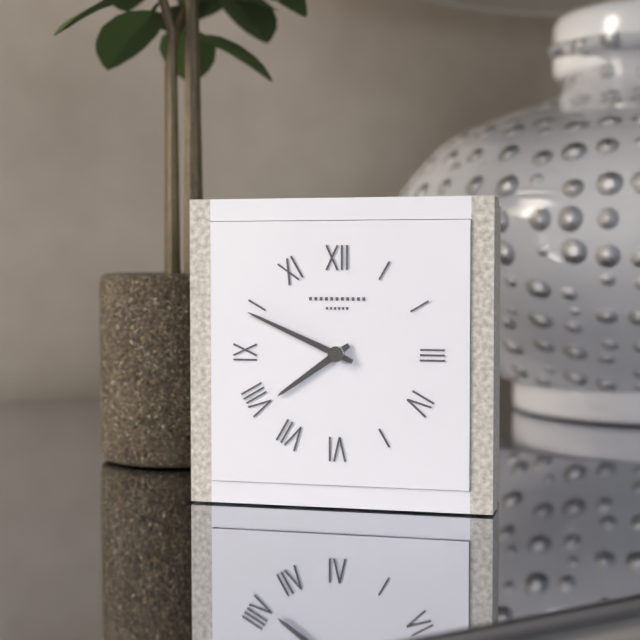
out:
7 h 49 min
